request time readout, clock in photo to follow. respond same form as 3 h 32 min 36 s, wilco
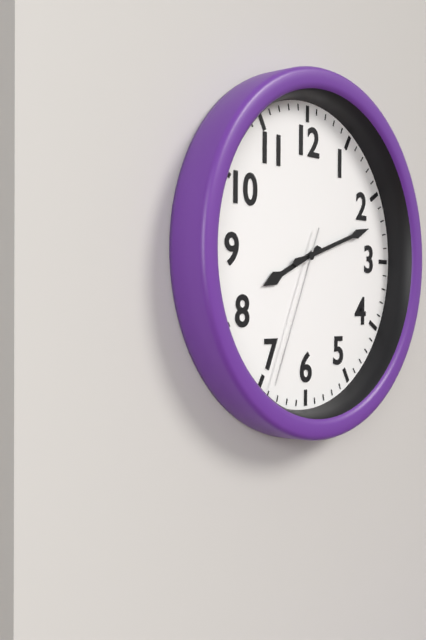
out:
8 h 12 min 34 s
